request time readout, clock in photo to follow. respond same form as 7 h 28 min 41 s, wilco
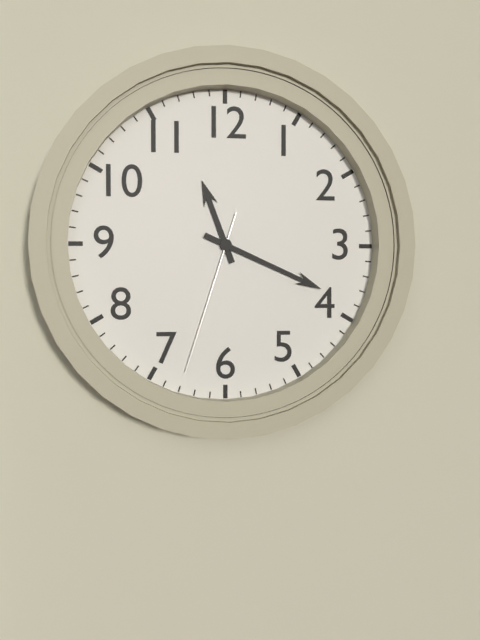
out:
11 h 19 min 33 s
